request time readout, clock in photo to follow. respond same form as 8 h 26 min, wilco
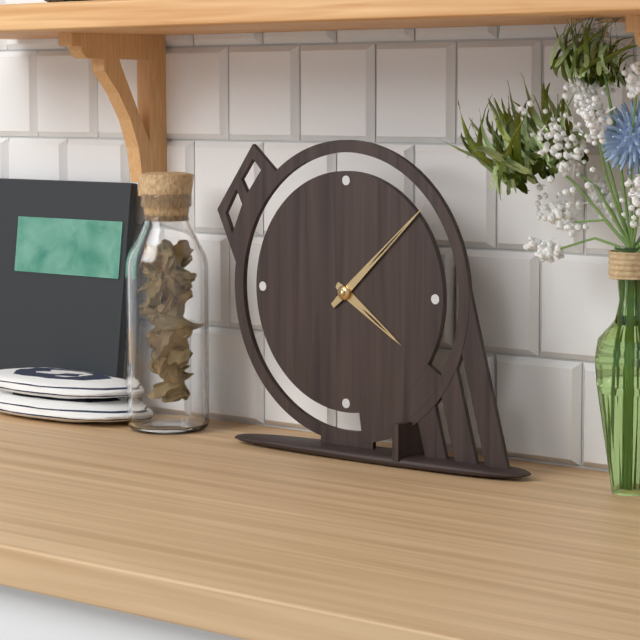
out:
4 h 08 min
